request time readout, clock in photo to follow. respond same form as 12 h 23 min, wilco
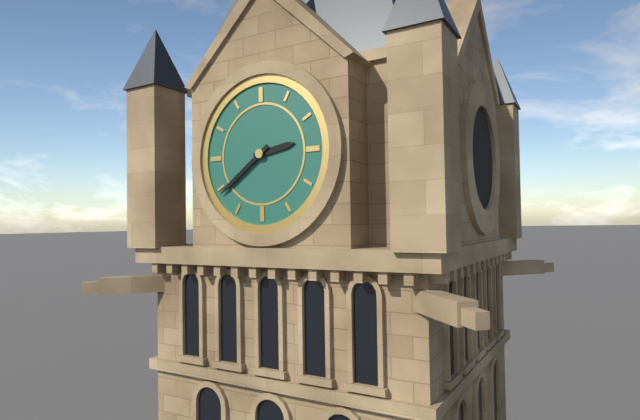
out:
2 h 39 min
